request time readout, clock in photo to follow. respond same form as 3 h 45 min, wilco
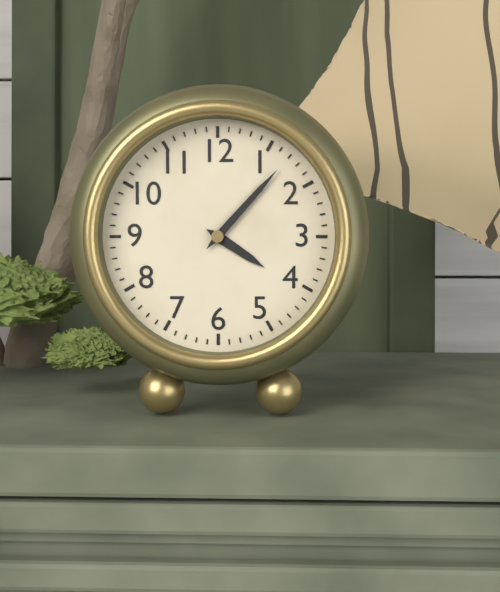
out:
4 h 07 min
